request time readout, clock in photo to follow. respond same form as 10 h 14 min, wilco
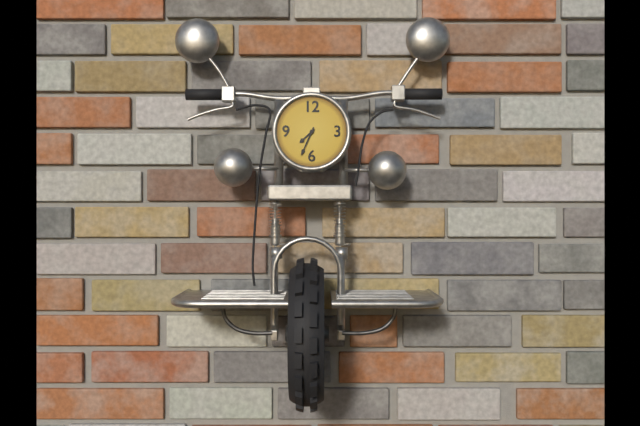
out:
7 h 34 min
